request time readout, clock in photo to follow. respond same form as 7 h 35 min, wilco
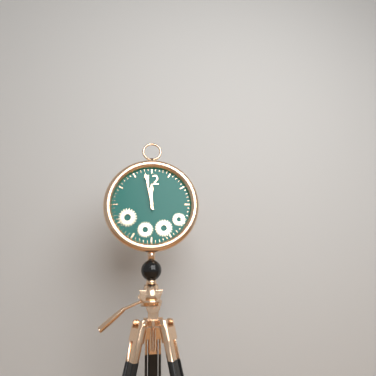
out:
11 h 58 min
